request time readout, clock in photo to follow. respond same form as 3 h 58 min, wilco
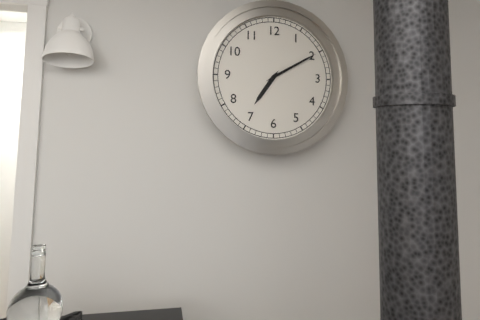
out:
7 h 10 min
